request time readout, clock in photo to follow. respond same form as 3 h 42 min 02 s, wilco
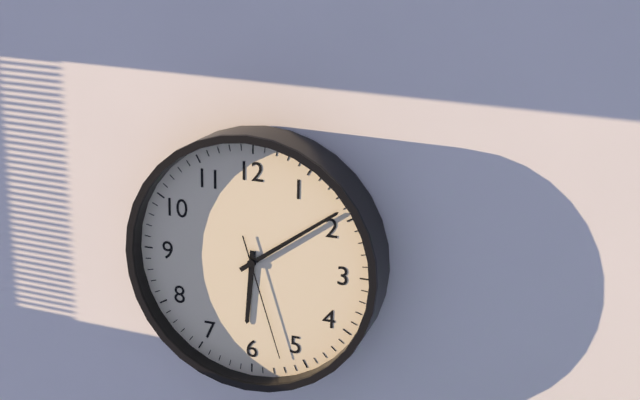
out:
6 h 09 min 27 s
